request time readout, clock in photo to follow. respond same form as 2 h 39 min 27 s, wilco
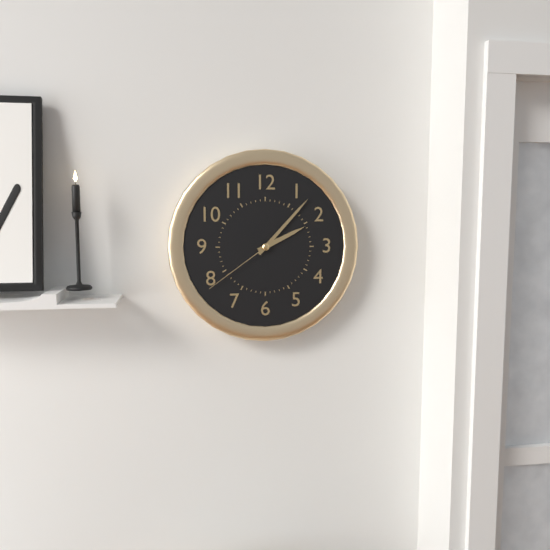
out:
2 h 07 min 39 s
